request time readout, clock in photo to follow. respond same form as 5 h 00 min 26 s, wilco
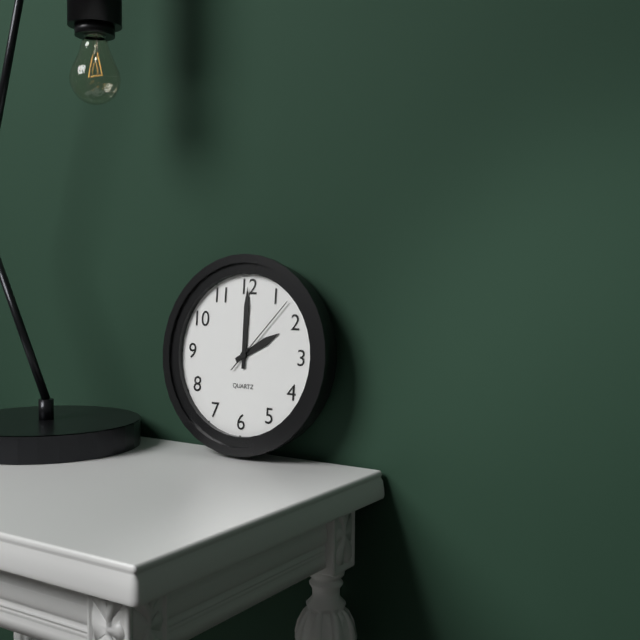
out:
2 h 00 min 07 s
